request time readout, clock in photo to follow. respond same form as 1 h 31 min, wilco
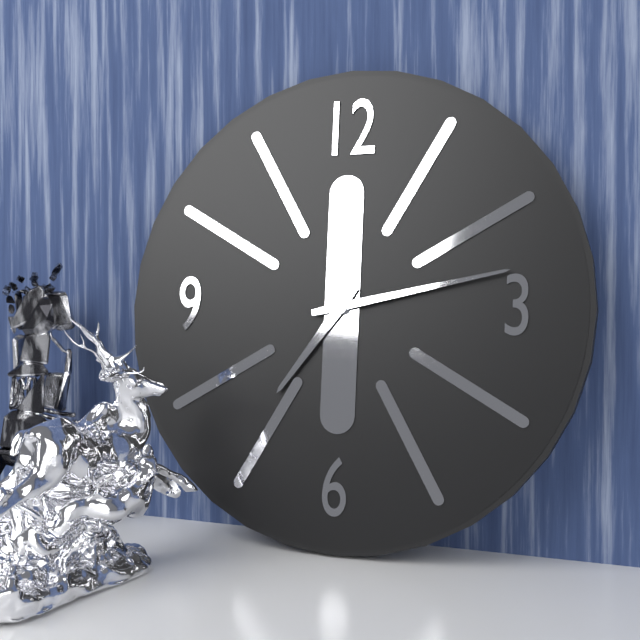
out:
7 h 13 min
